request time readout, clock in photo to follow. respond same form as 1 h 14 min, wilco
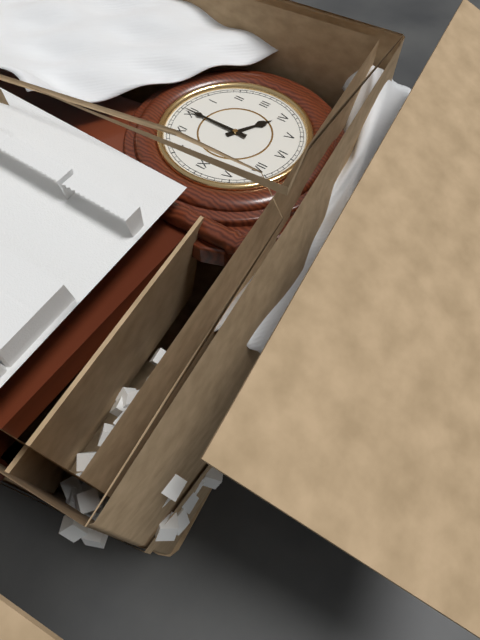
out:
4 h 00 min
